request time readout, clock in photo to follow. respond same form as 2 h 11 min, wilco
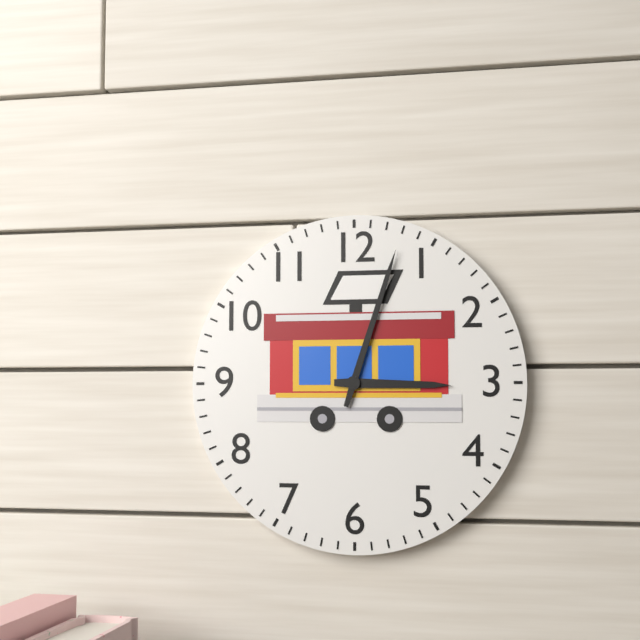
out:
3 h 03 min
